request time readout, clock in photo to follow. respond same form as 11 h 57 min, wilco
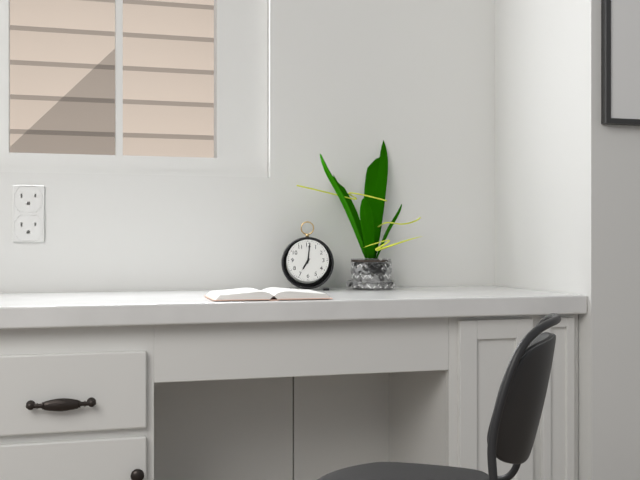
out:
7 h 01 min
